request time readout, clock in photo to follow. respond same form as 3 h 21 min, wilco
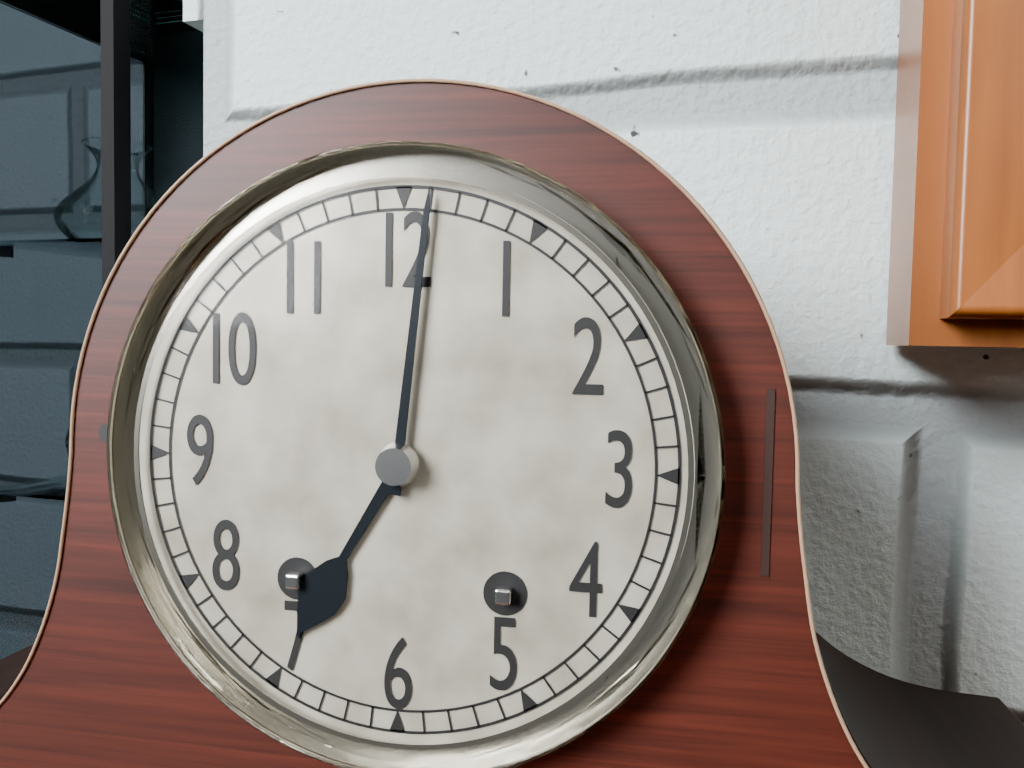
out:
7 h 01 min
